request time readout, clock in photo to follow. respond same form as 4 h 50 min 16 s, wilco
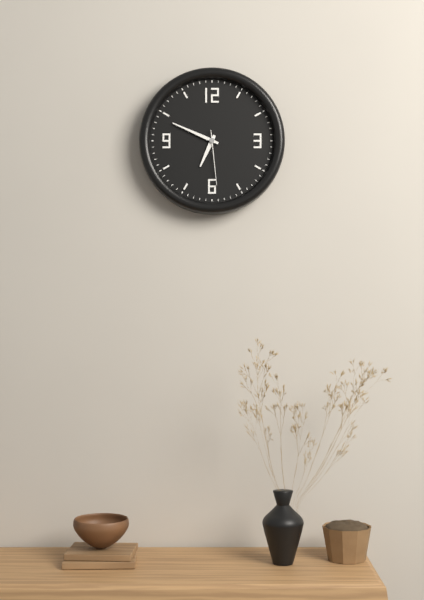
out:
6 h 49 min 29 s
